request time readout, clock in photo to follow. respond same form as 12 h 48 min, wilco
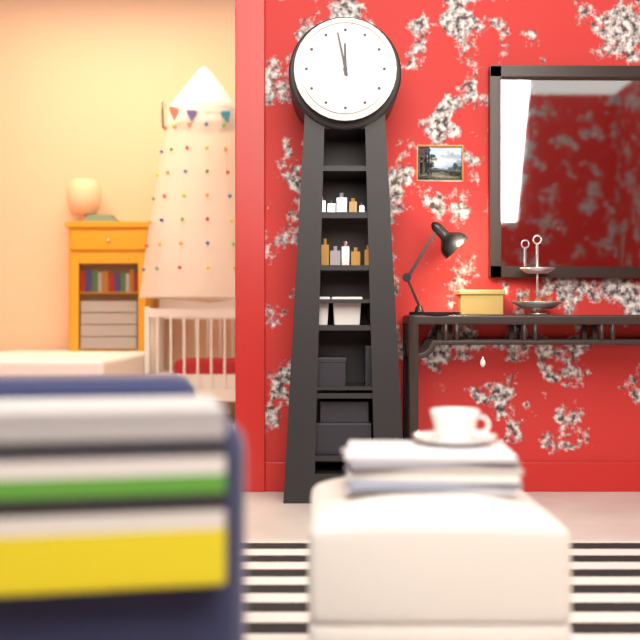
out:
11 h 58 min
